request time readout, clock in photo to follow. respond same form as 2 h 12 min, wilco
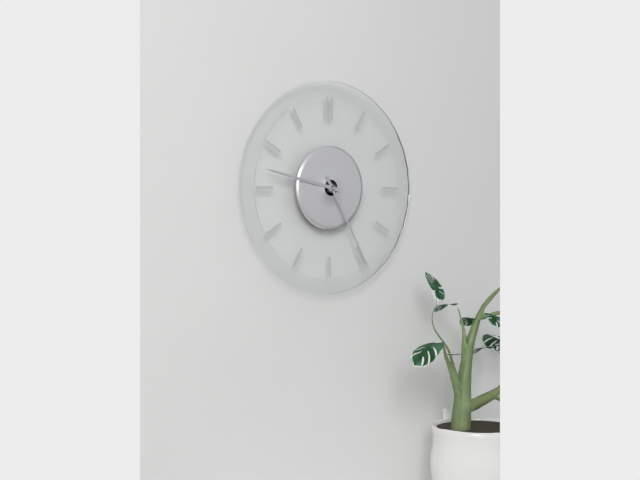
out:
9 h 25 min
